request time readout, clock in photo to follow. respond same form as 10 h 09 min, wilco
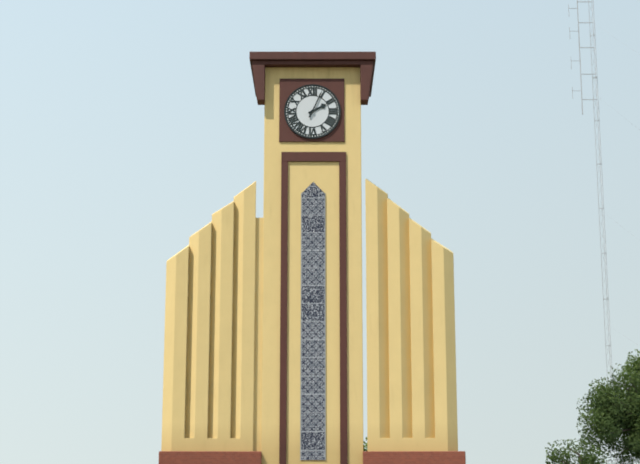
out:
2 h 04 min
